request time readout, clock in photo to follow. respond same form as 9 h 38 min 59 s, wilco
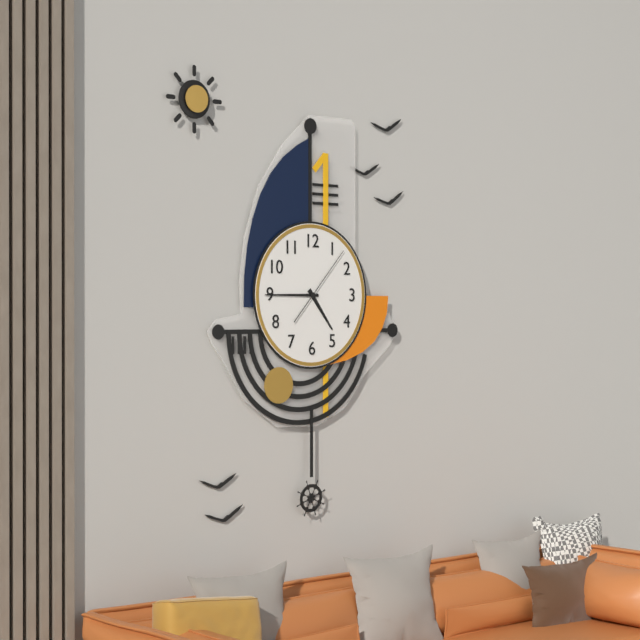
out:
4 h 45 min 07 s
